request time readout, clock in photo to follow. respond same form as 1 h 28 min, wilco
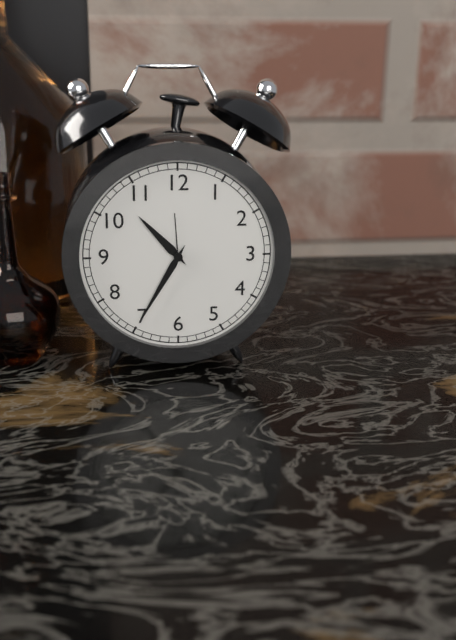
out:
10 h 35 min
